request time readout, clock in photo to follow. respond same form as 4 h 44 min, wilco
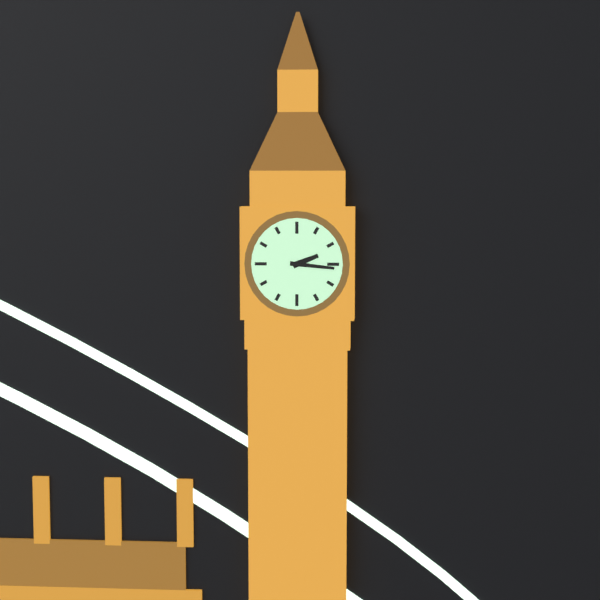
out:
2 h 16 min
